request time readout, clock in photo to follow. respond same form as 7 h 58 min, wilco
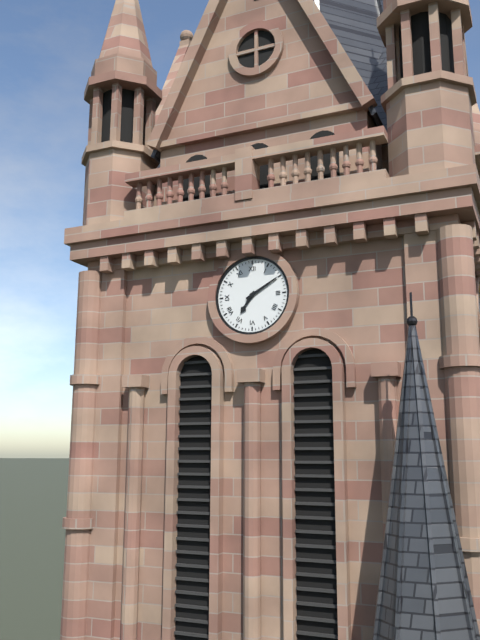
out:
7 h 10 min
